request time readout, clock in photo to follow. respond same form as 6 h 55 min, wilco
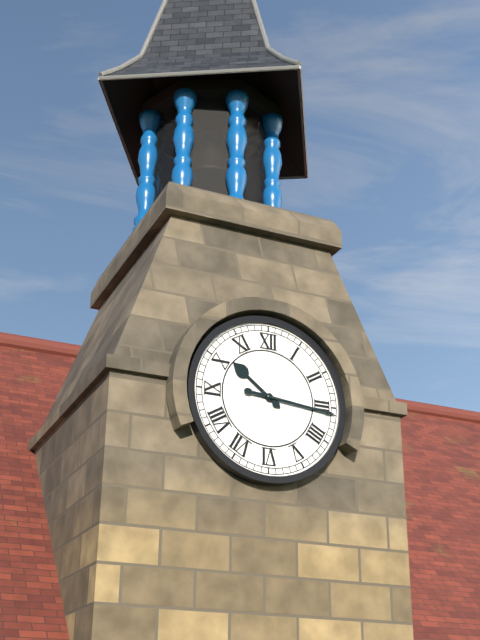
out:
10 h 16 min
